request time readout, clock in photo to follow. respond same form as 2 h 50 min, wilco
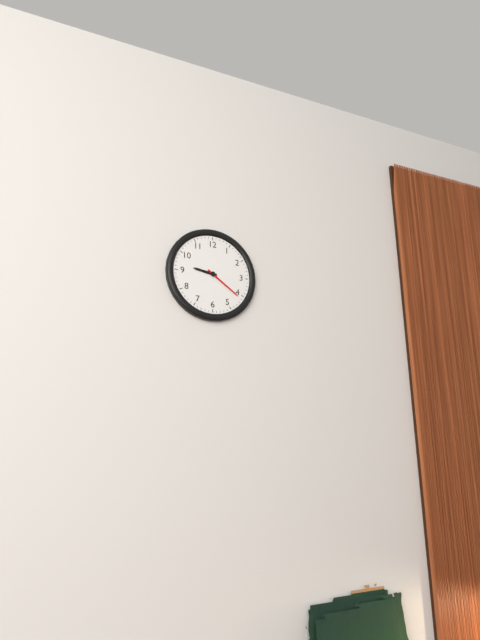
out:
9 h 21 min
